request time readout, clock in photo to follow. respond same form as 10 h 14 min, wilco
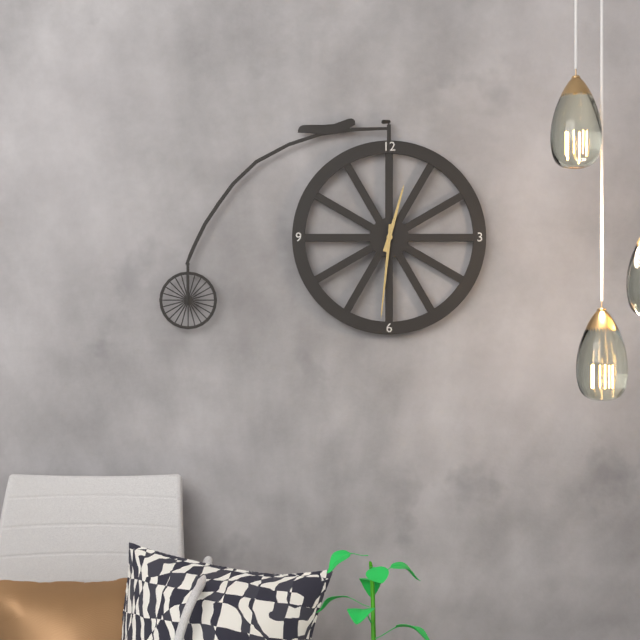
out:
12 h 31 min
